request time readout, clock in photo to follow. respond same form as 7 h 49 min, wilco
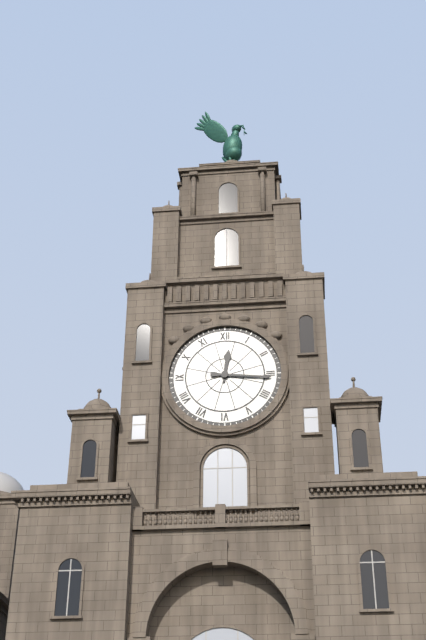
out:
12 h 16 min
